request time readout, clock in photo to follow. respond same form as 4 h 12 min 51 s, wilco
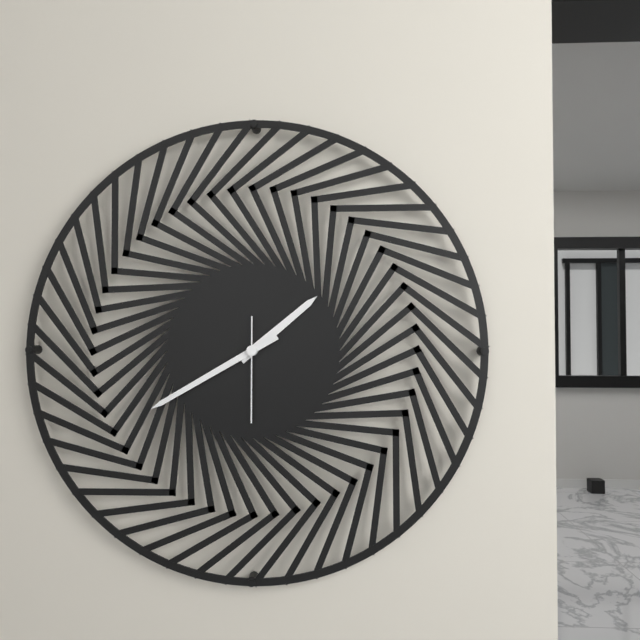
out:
1 h 40 min 30 s
